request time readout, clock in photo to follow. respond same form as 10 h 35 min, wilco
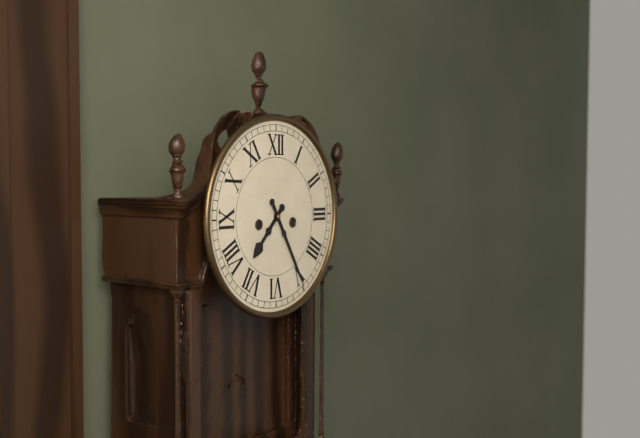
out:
7 h 25 min
